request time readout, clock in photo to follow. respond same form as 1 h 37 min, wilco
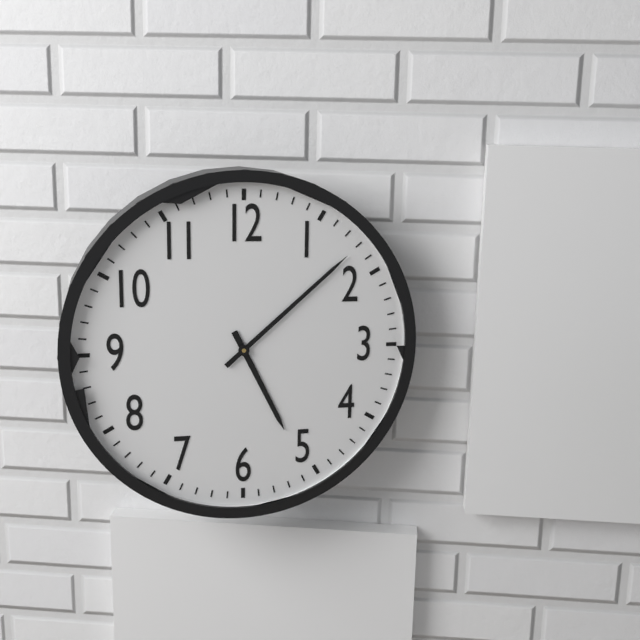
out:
5 h 08 min
